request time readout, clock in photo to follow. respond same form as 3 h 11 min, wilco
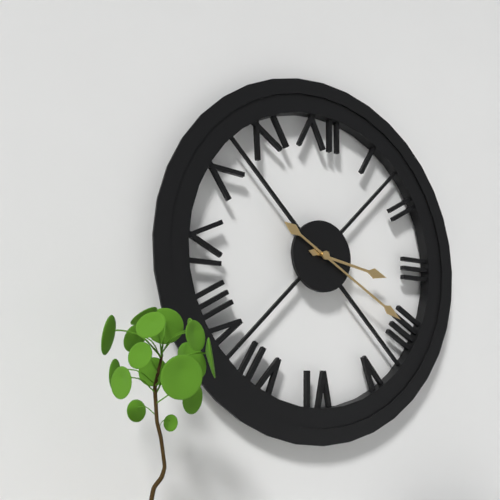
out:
3 h 20 min
